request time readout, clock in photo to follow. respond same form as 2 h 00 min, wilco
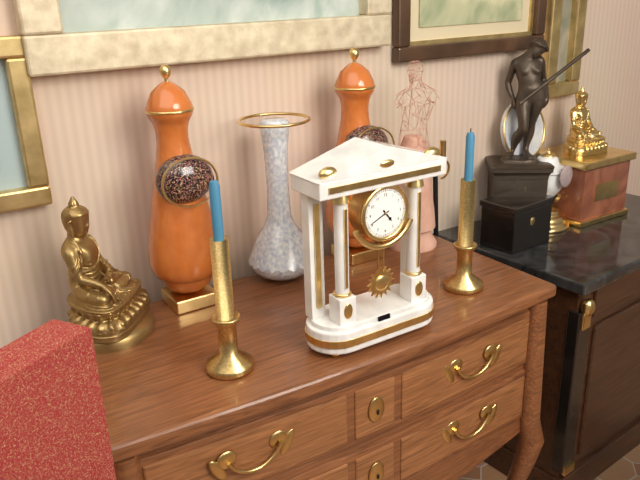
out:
4 h 41 min
